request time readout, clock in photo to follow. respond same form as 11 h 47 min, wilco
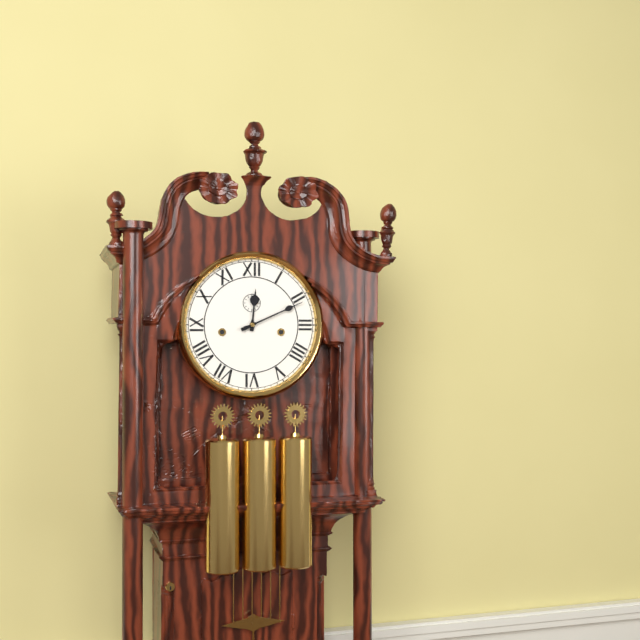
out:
12 h 11 min
